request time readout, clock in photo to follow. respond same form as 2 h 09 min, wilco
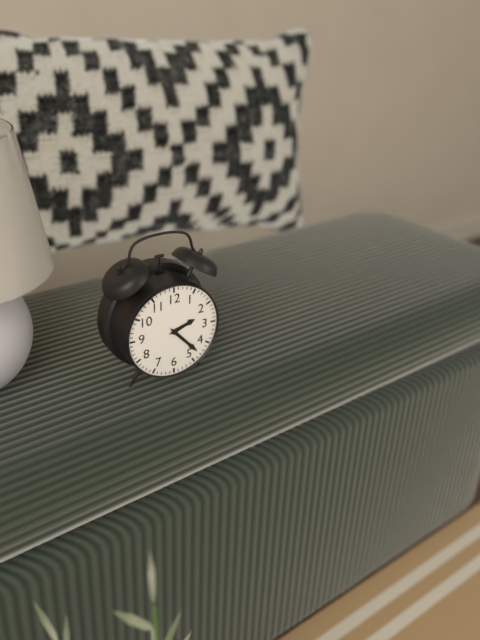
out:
2 h 23 min
